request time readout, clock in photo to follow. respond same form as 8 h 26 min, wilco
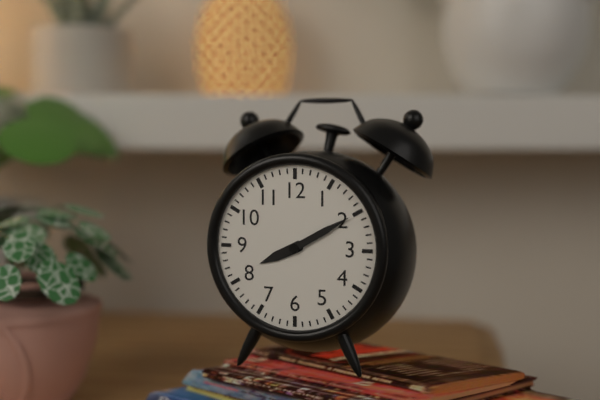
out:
8 h 10 min
